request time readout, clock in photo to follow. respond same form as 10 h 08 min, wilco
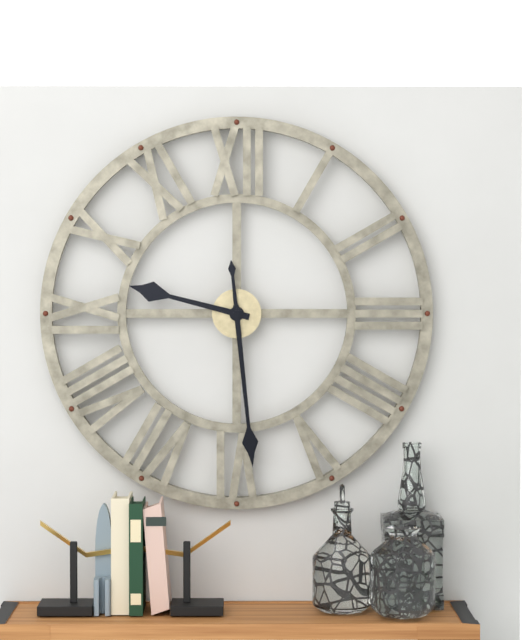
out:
9 h 29 min
